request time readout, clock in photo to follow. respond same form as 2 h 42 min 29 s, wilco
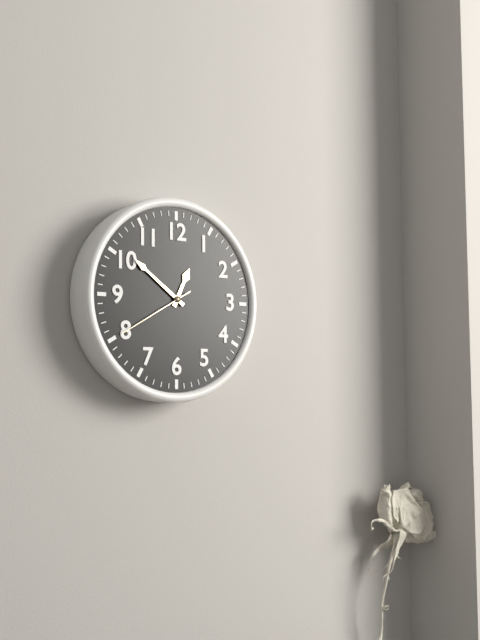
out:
12 h 51 min 40 s
